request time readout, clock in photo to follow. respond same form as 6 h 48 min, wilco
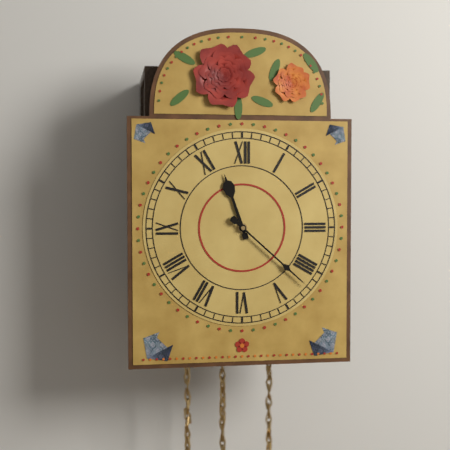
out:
11 h 22 min
